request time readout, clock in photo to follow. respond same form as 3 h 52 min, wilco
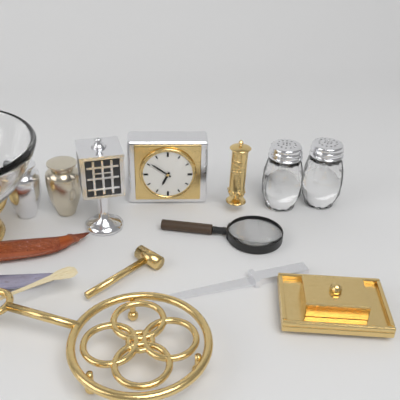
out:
6 h 51 min
